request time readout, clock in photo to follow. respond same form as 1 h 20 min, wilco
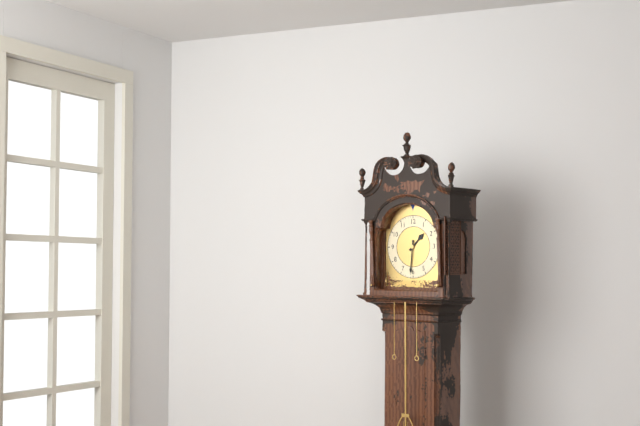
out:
1 h 31 min
